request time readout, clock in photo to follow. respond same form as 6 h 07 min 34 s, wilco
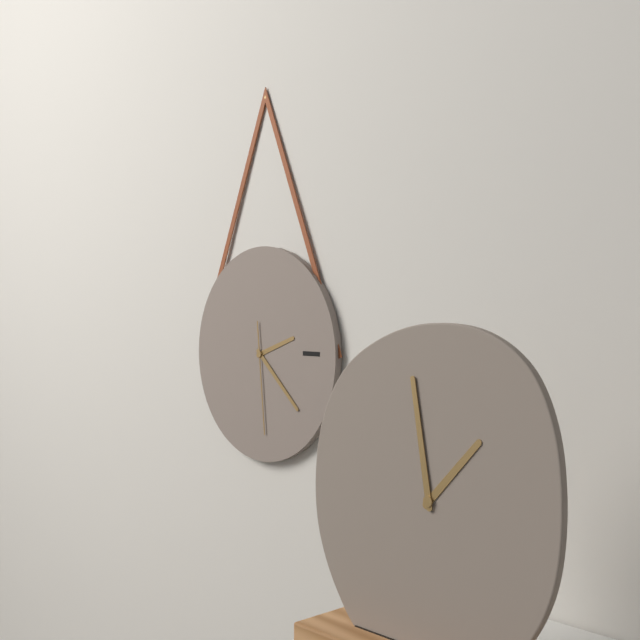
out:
2 h 22 min 29 s
